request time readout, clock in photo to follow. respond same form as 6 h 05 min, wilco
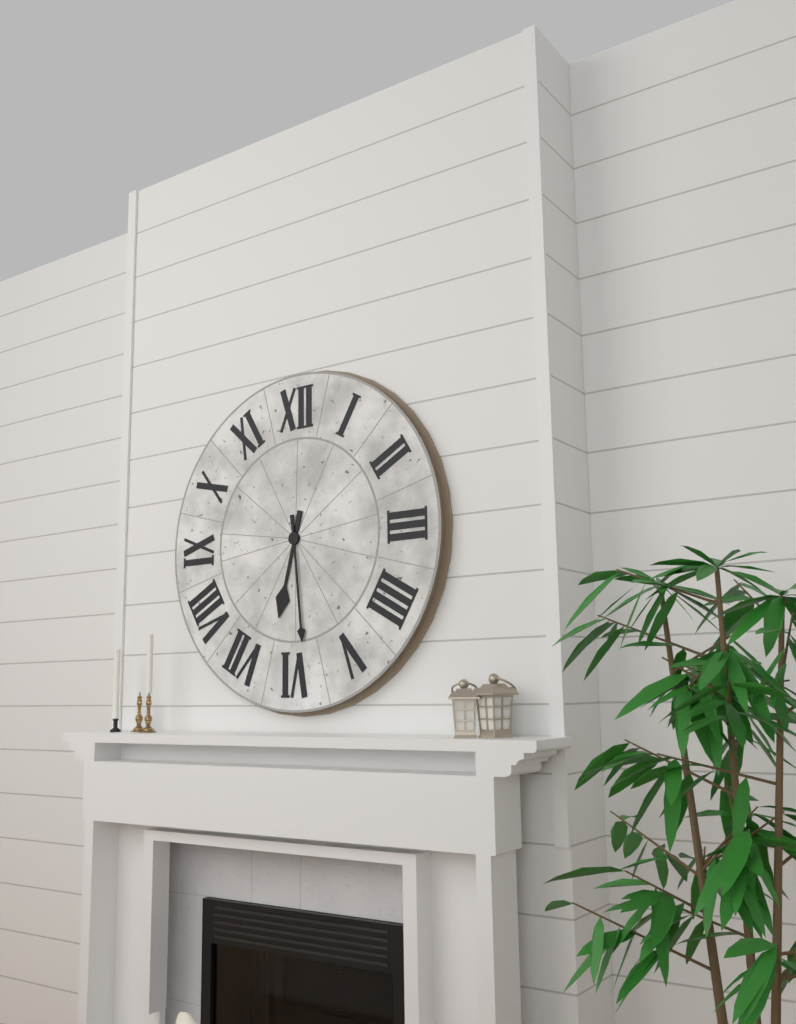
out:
6 h 29 min
